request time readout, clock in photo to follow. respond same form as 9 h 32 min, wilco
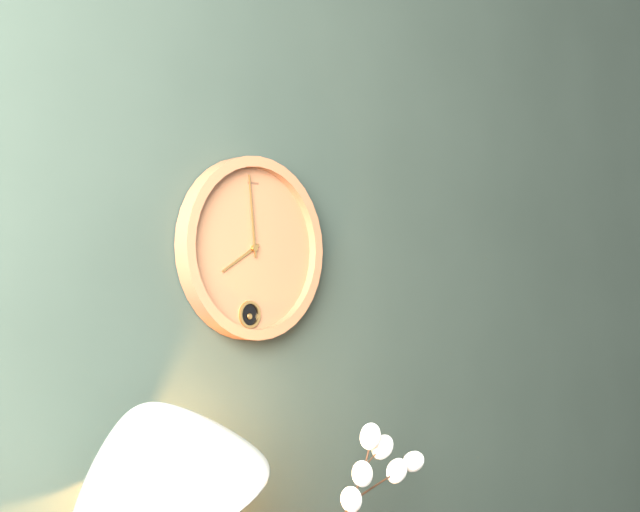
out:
7 h 59 min
